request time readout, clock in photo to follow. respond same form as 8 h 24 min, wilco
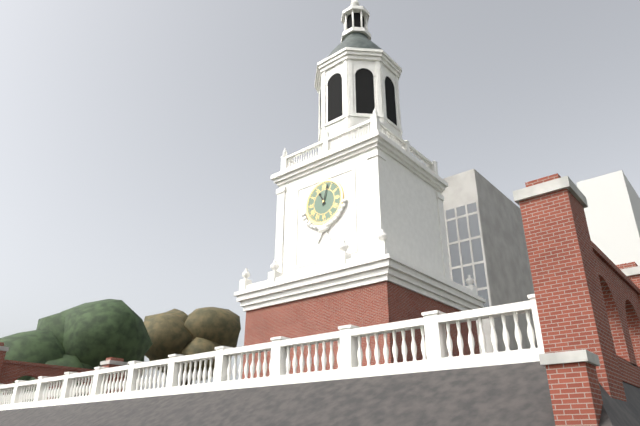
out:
11 h 03 min
